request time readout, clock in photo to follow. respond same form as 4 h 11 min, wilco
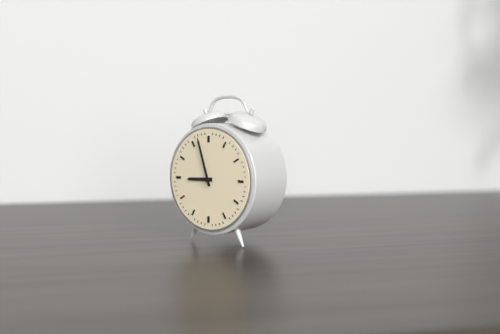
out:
8 h 57 min
